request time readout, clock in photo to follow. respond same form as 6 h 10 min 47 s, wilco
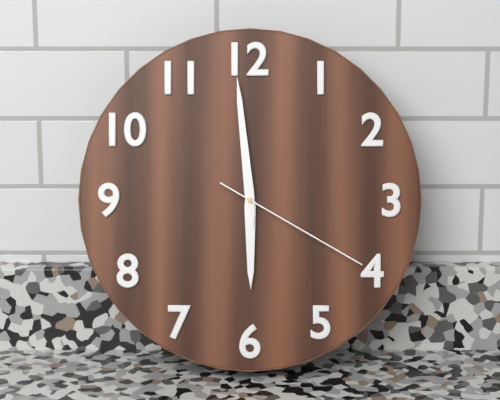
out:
5 h 59 min 20 s
